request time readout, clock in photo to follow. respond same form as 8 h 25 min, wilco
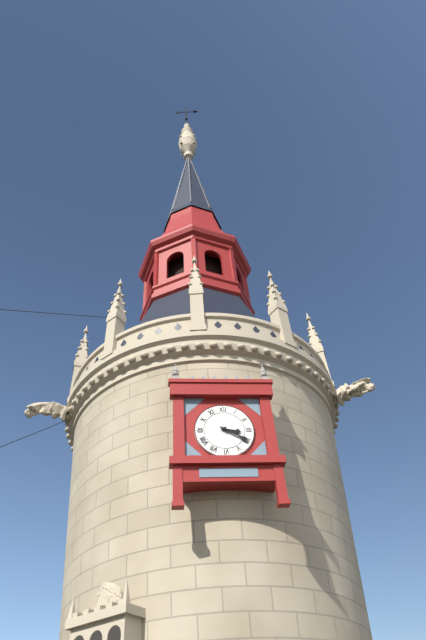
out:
3 h 20 min
